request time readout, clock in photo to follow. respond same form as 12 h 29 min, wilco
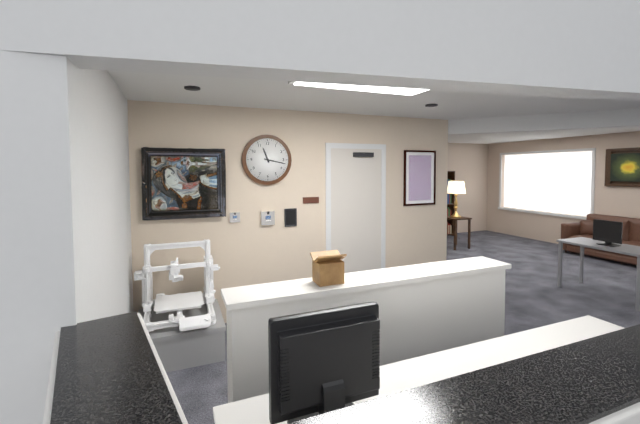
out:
11 h 17 min
